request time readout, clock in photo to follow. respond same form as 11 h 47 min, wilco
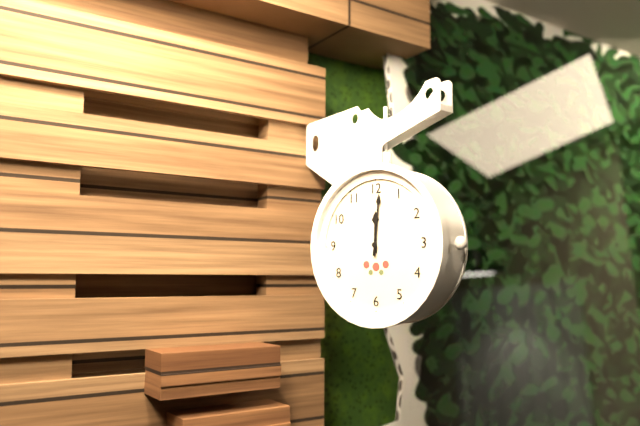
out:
12 h 01 min
